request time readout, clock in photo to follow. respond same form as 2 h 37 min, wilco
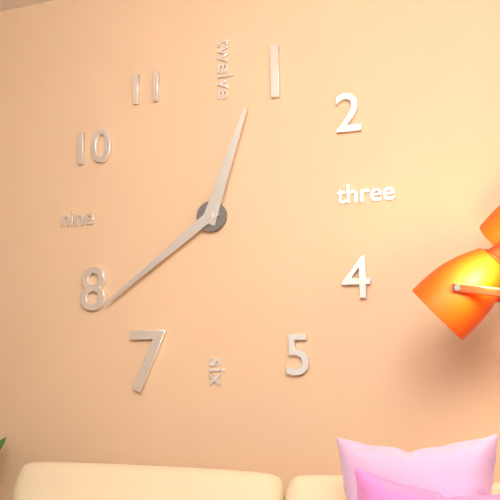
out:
12 h 39 min
